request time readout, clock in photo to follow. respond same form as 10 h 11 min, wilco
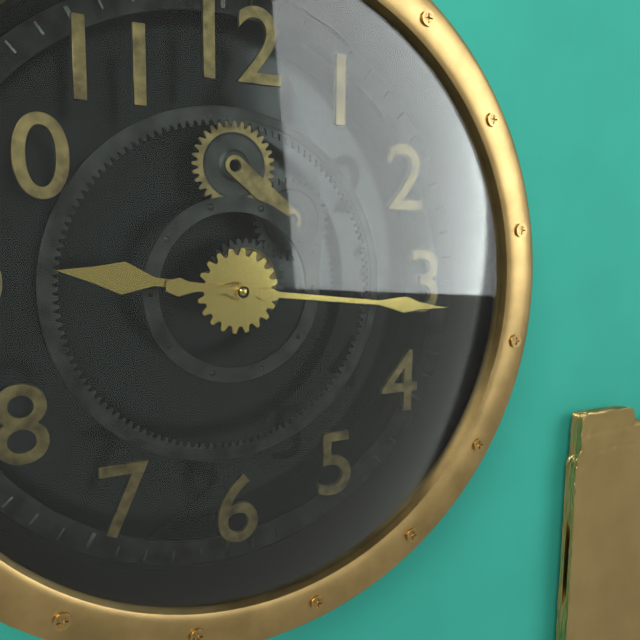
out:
9 h 16 min
